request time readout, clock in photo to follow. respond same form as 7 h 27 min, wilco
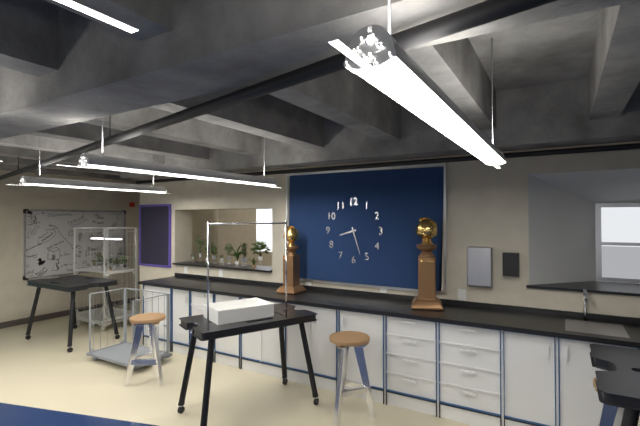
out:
8 h 27 min
